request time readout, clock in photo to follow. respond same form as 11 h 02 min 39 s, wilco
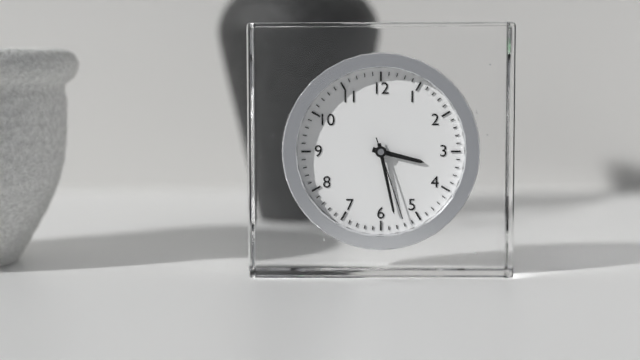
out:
3 h 28 min 27 s
